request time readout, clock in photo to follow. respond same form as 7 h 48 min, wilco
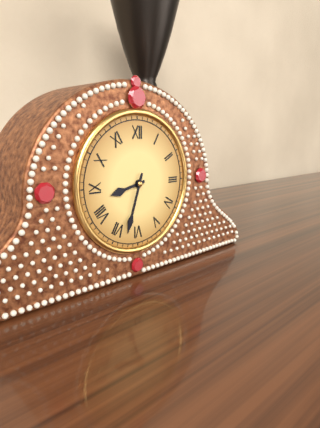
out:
8 h 33 min
